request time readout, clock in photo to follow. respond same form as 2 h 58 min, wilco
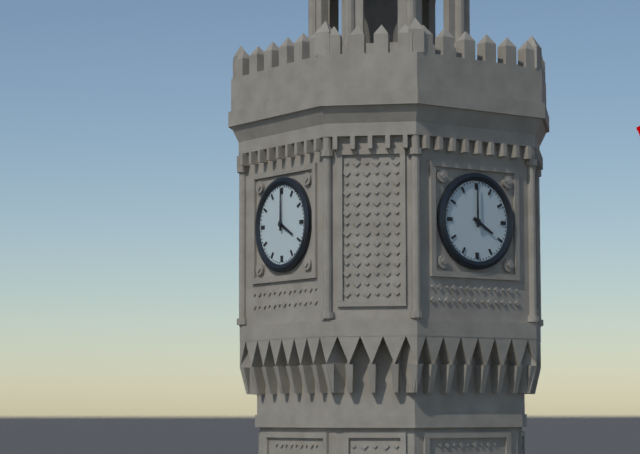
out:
4 h 00 min
